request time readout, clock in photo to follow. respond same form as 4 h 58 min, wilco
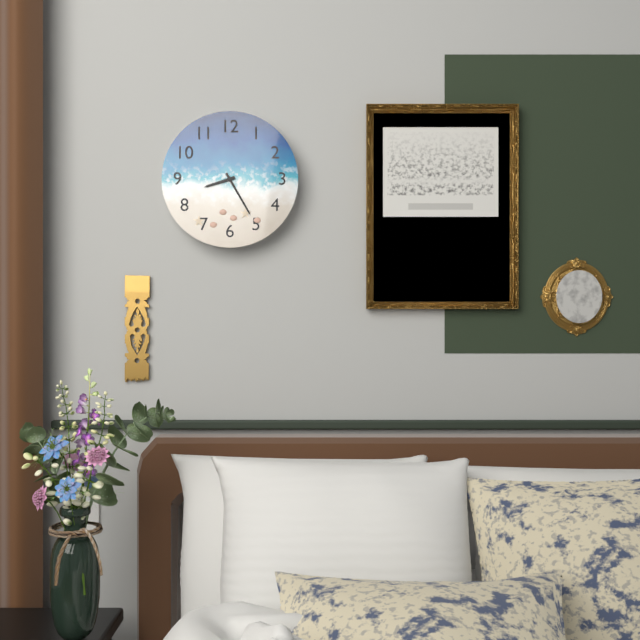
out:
8 h 25 min
